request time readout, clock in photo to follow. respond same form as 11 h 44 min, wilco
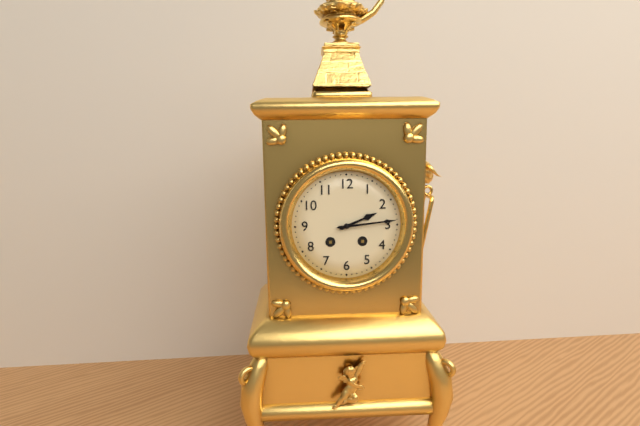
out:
2 h 14 min
